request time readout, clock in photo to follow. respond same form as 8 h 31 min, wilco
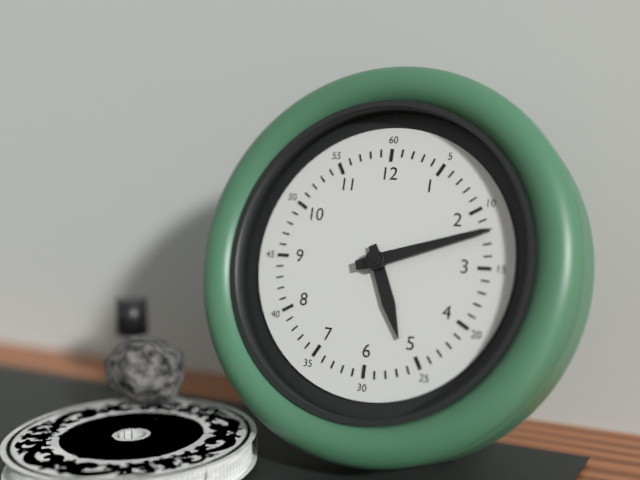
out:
5 h 12 min
